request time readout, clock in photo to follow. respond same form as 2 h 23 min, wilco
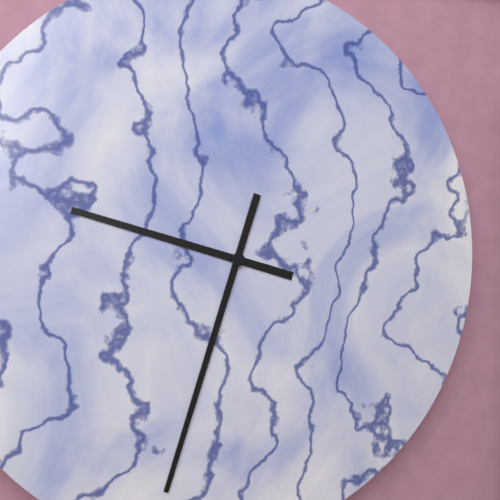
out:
9 h 33 min
